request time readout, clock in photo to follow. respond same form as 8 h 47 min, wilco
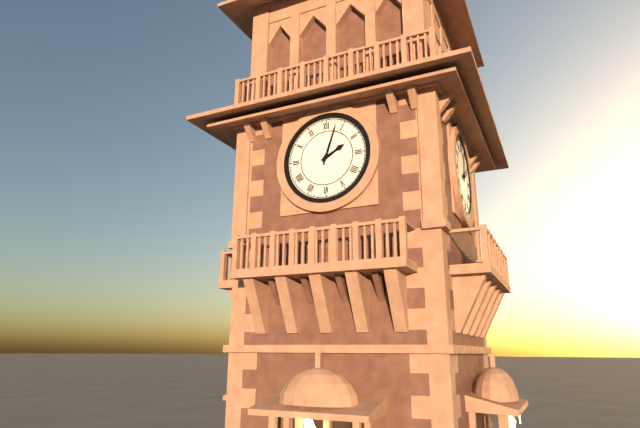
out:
2 h 03 min
